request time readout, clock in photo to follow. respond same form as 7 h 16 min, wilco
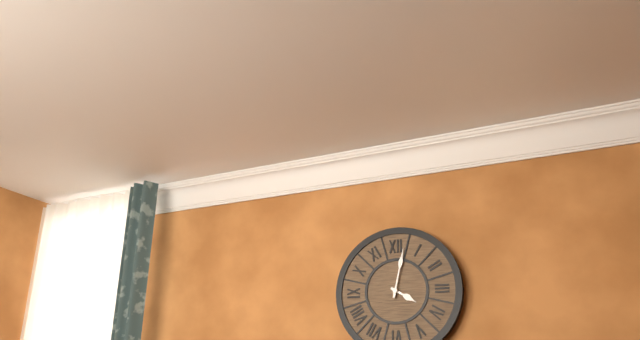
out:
4 h 02 min
